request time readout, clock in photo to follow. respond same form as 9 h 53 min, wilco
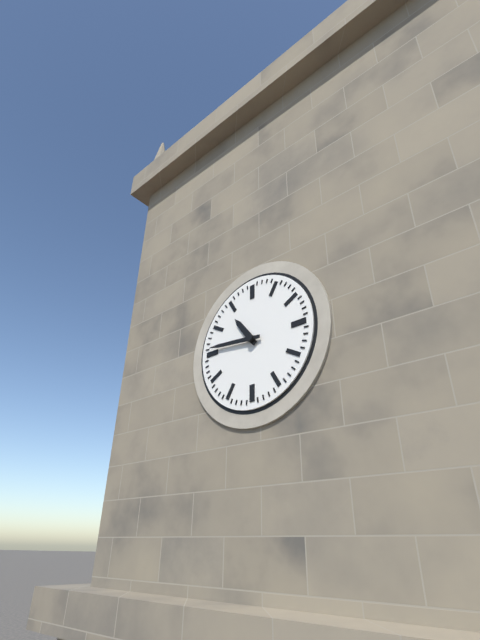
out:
10 h 46 min
